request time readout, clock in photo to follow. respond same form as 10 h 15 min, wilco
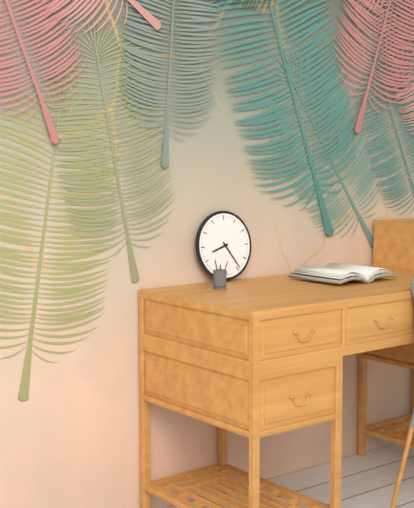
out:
8 h 24 min
